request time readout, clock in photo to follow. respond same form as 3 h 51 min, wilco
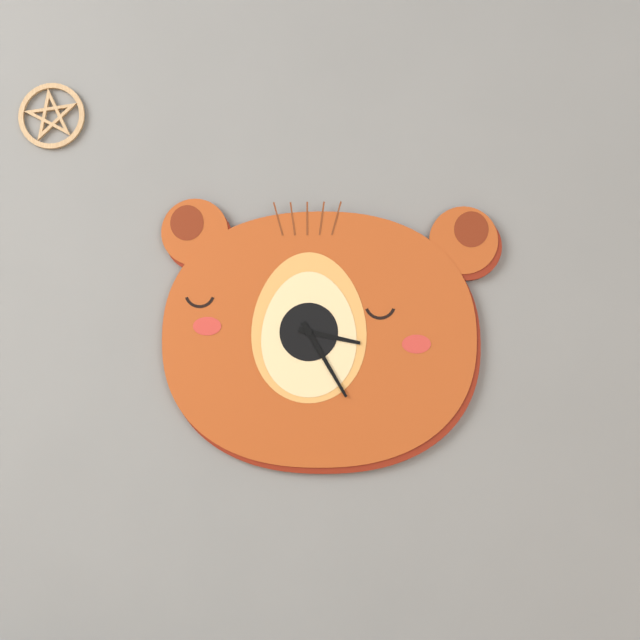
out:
3 h 25 min
